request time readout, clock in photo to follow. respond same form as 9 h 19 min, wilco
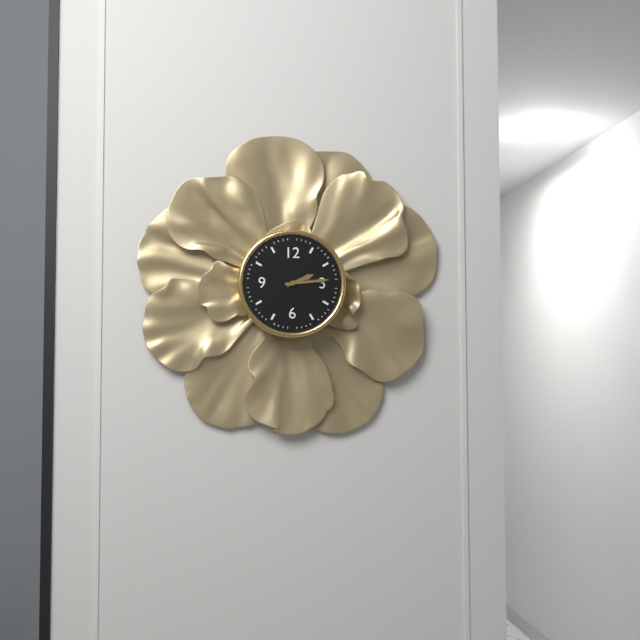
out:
2 h 14 min
